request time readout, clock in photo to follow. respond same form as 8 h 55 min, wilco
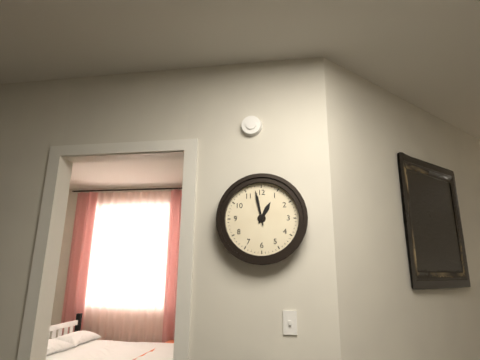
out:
12 h 58 min
